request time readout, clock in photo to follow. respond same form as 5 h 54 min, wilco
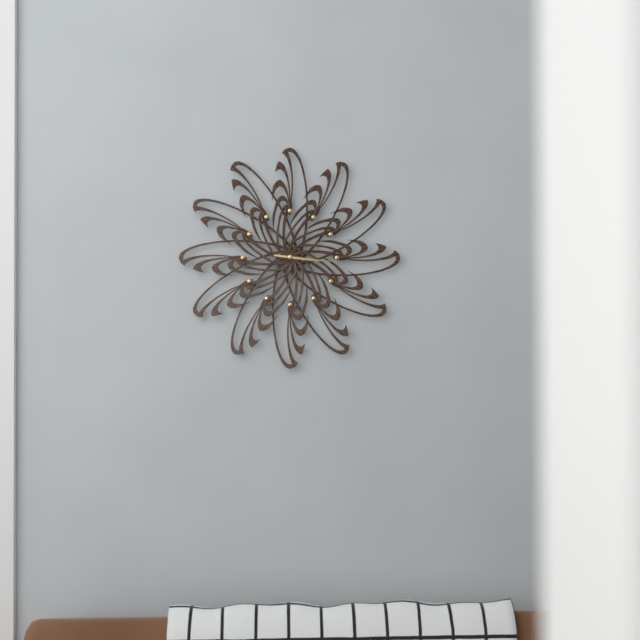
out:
3 h 16 min
